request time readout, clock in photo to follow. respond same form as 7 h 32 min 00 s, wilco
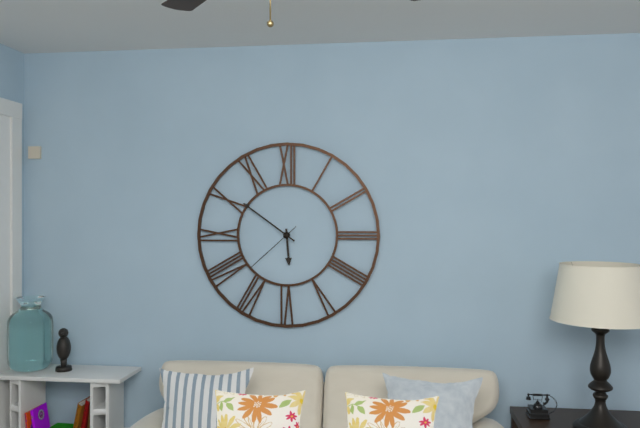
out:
5 h 51 min 38 s
